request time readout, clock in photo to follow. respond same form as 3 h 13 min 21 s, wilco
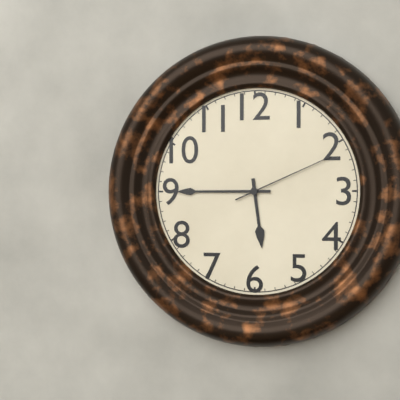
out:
5 h 45 min 11 s
